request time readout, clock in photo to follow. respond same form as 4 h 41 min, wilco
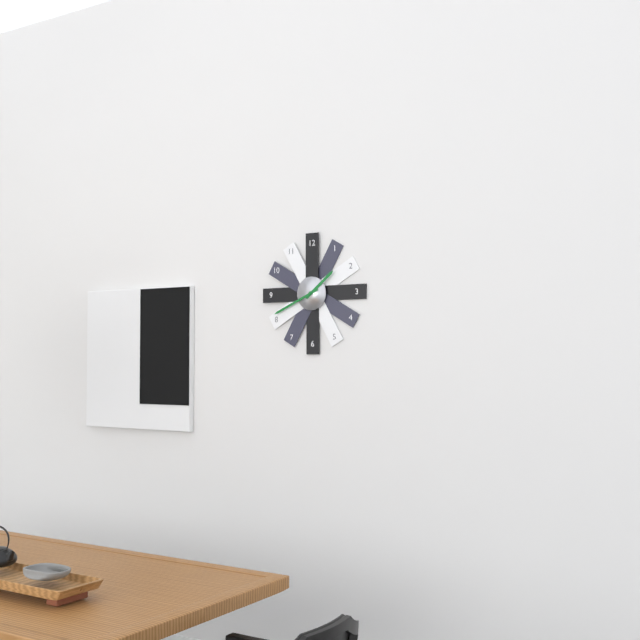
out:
1 h 41 min
